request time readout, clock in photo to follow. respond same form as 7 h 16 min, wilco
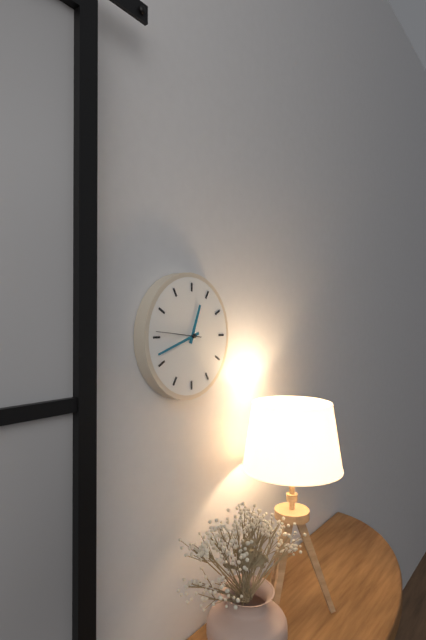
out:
12 h 42 min
